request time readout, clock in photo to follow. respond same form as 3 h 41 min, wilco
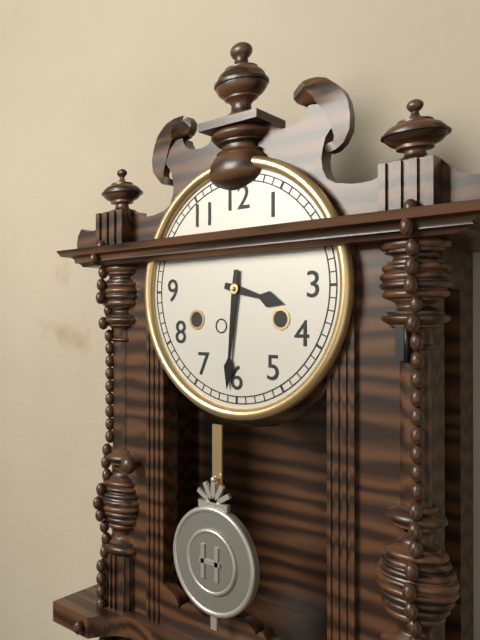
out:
3 h 31 min
